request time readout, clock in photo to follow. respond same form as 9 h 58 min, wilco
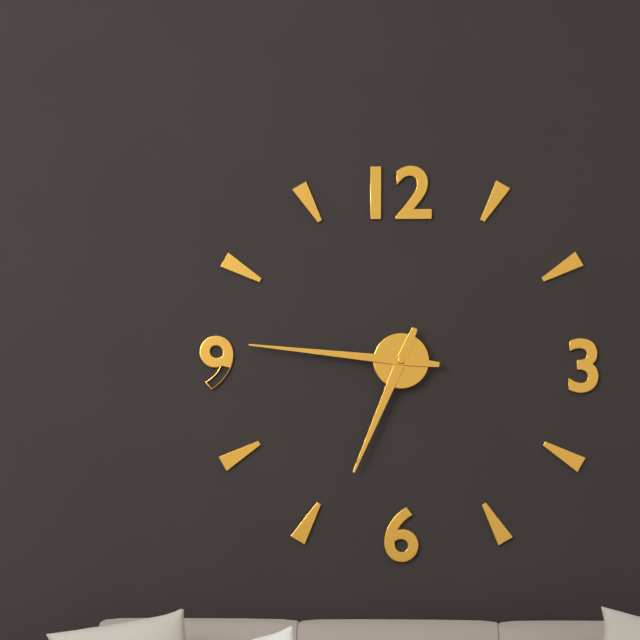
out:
6 h 46 min
